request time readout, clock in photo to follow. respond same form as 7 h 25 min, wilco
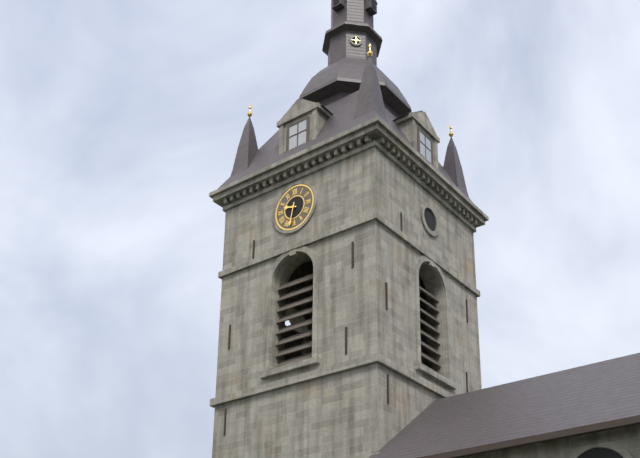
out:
9 h 32 min
